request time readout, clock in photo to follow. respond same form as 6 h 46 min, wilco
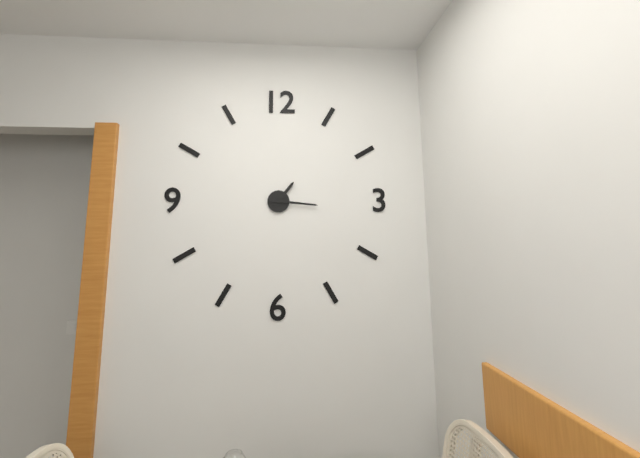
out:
1 h 16 min
